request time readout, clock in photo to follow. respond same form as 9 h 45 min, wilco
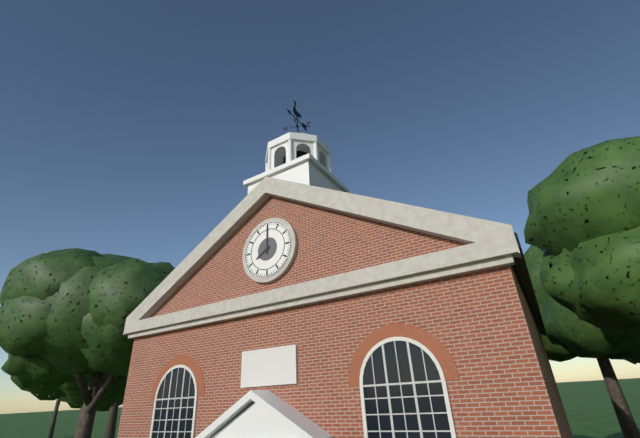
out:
8 h 00 min
